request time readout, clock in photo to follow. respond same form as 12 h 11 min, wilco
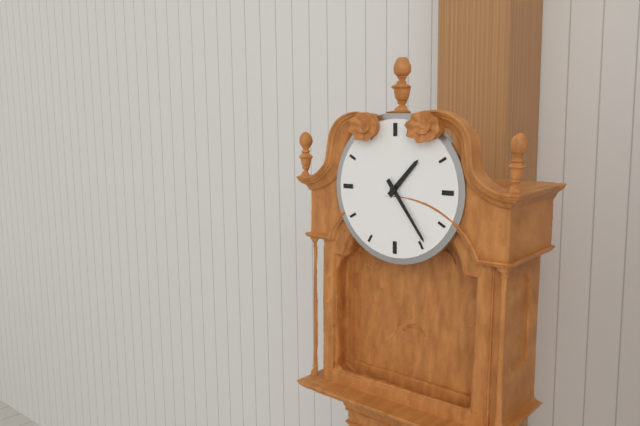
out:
1 h 24 min
